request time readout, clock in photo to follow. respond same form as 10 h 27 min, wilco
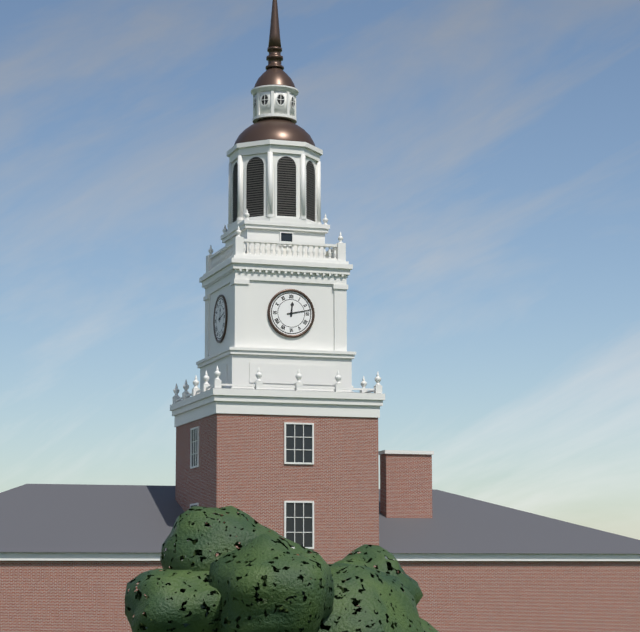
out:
12 h 13 min
